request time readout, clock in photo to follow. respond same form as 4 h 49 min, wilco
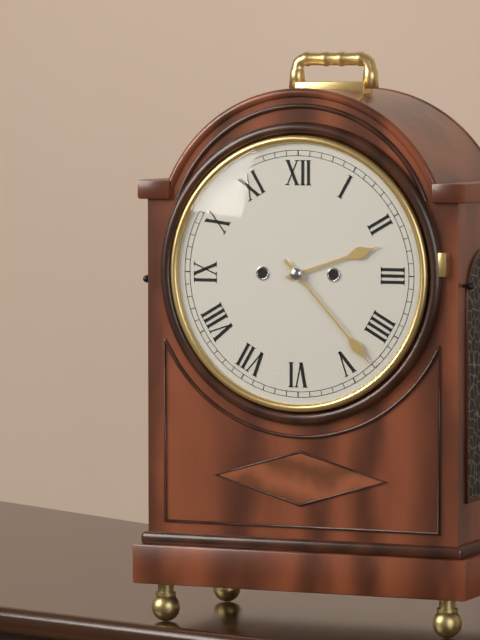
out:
2 h 23 min
